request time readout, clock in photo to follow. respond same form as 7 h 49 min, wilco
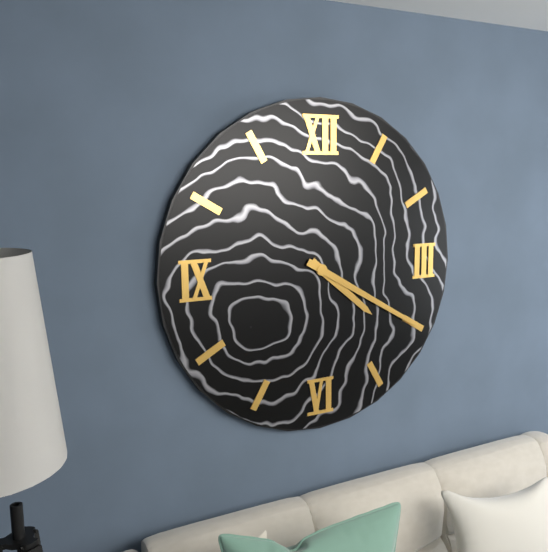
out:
4 h 20 min
